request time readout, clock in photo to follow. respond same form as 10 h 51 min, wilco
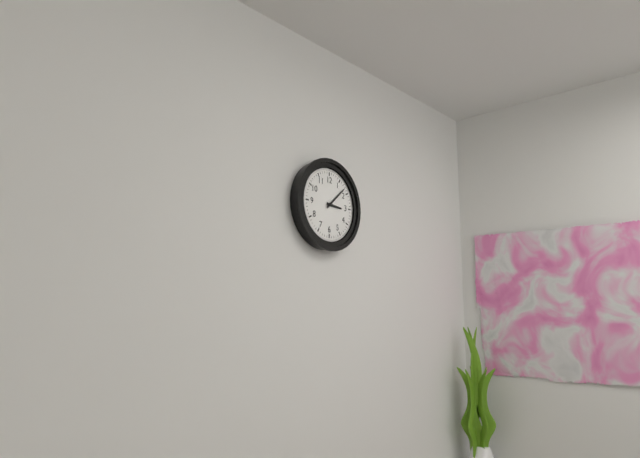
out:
3 h 08 min
